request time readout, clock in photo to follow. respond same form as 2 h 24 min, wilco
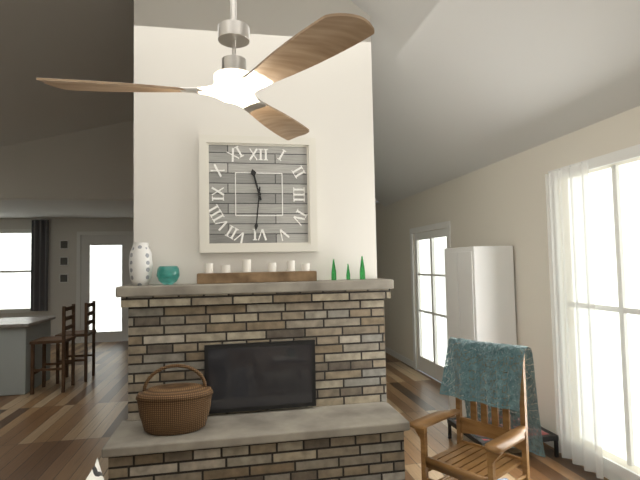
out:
11 h 31 min
